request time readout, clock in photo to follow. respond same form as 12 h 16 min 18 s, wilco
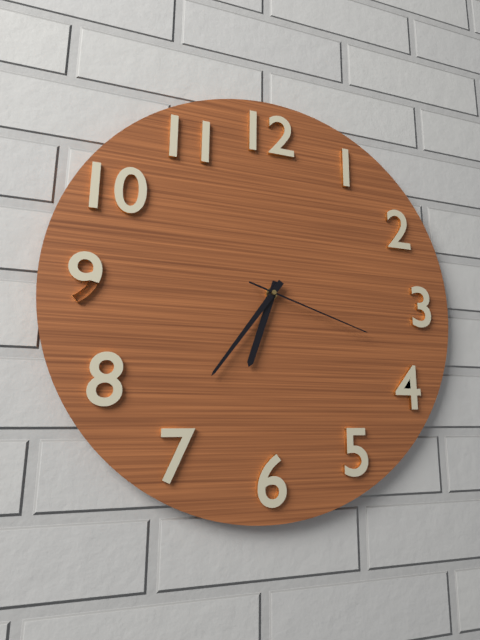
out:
6 h 36 min 18 s
